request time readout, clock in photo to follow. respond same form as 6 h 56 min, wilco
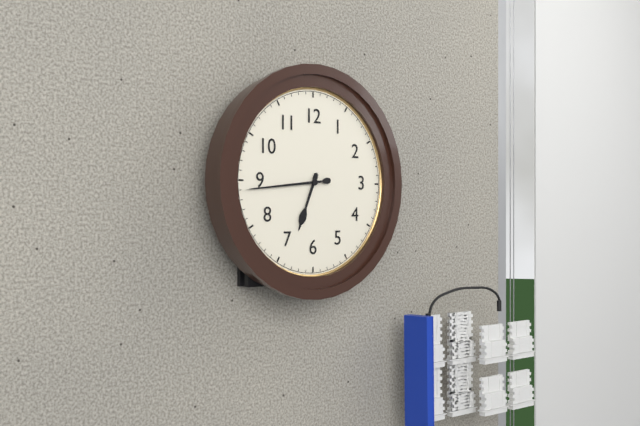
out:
6 h 44 min
